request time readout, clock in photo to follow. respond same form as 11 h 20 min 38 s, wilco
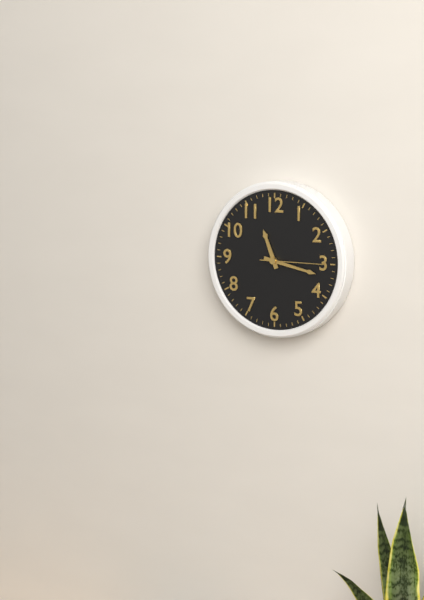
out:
11 h 17 min 15 s
